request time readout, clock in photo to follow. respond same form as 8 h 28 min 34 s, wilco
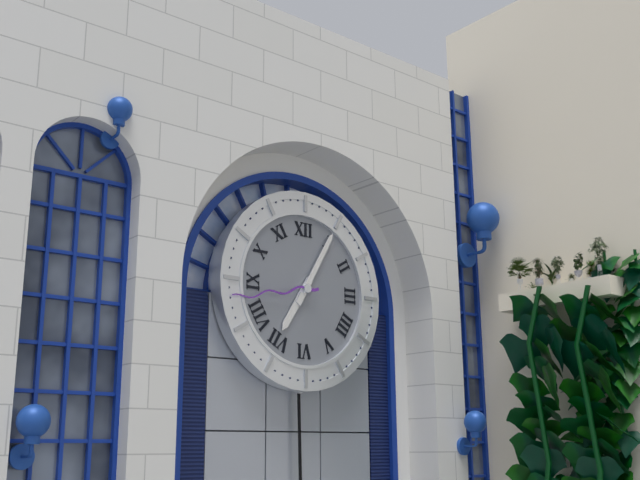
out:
7 h 05 min 43 s
